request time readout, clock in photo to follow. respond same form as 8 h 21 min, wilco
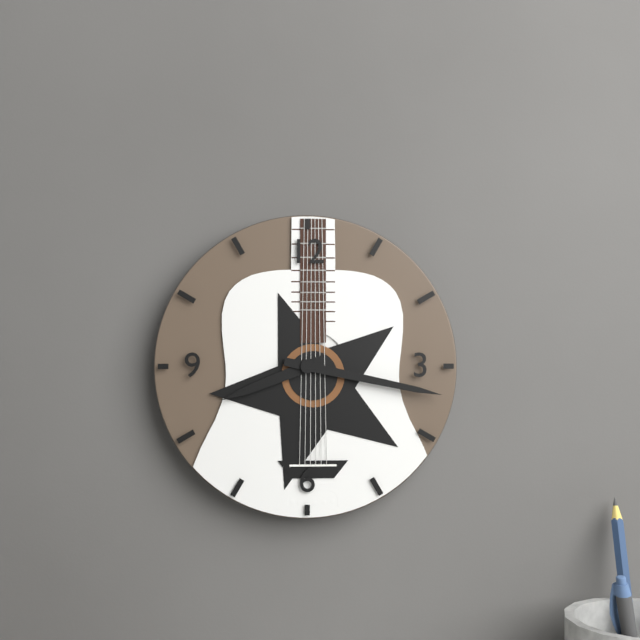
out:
8 h 17 min
